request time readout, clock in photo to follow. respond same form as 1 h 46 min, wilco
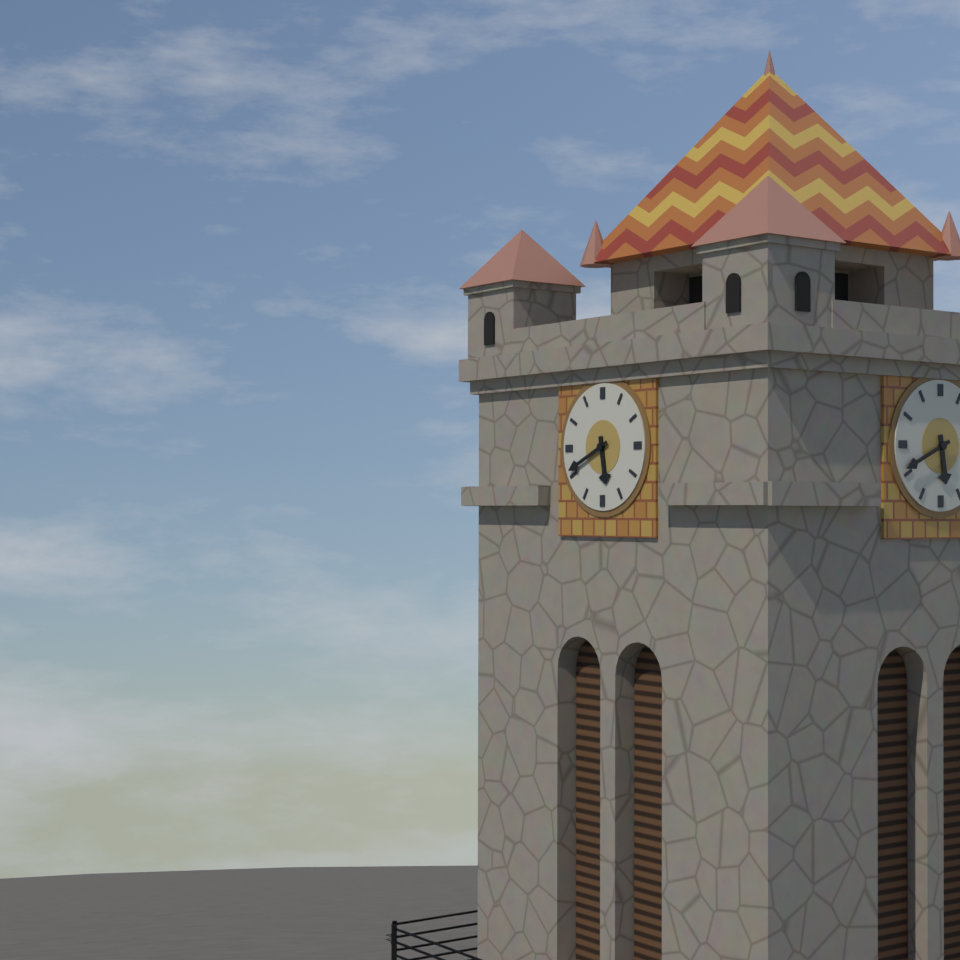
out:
5 h 41 min
